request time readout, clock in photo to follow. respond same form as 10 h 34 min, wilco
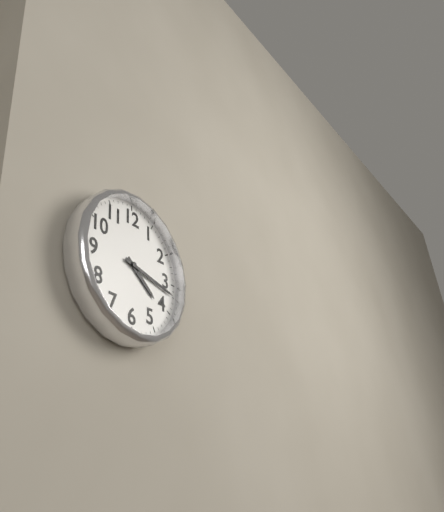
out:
4 h 17 min
